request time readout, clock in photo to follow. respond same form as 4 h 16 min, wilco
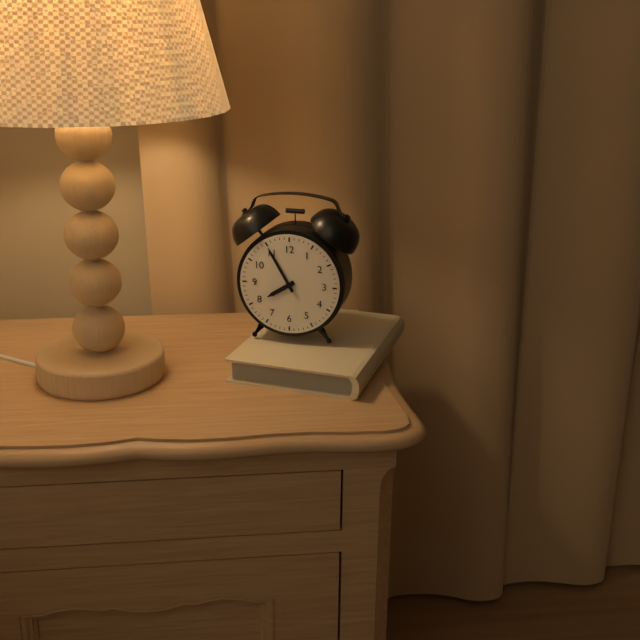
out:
7 h 55 min
